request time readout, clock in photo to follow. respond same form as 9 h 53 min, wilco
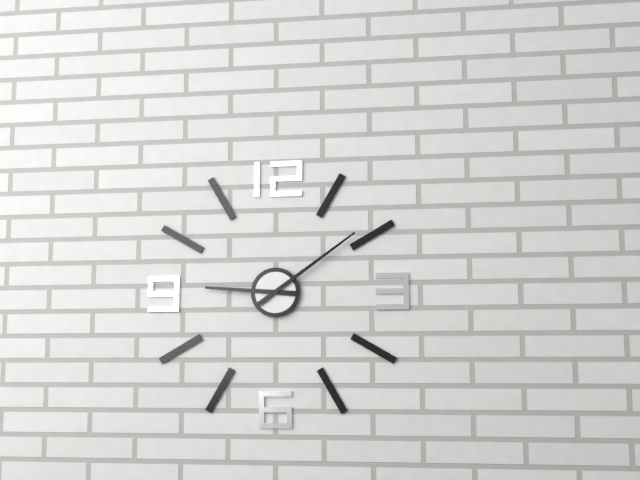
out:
9 h 09 min
